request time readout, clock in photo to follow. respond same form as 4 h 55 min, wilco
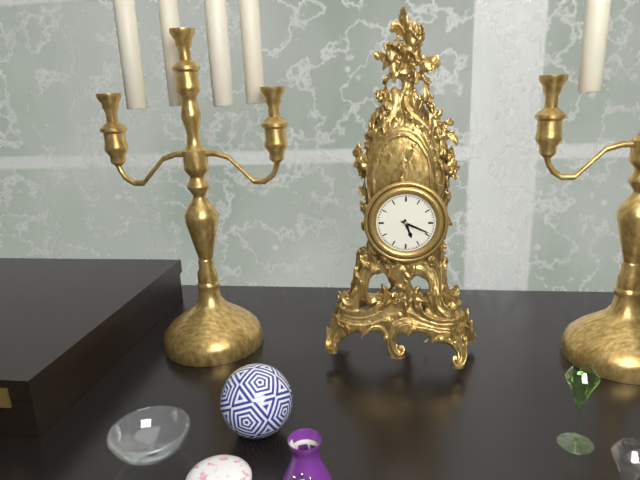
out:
5 h 19 min
